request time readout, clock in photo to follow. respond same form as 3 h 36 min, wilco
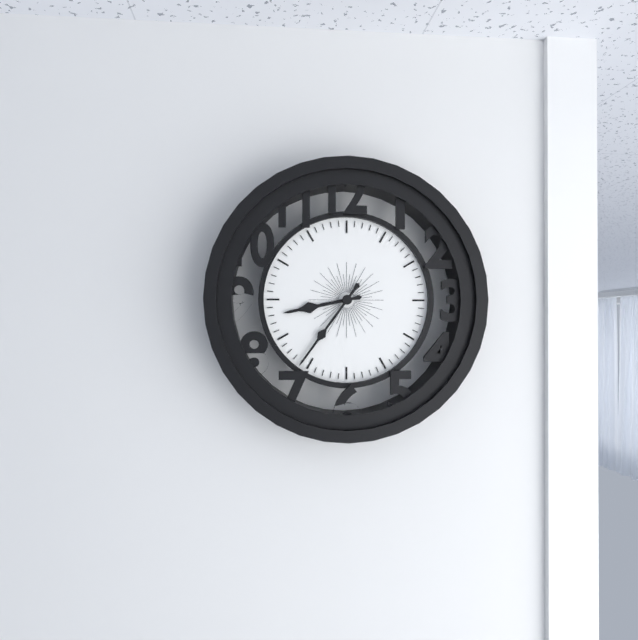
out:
8 h 36 min
